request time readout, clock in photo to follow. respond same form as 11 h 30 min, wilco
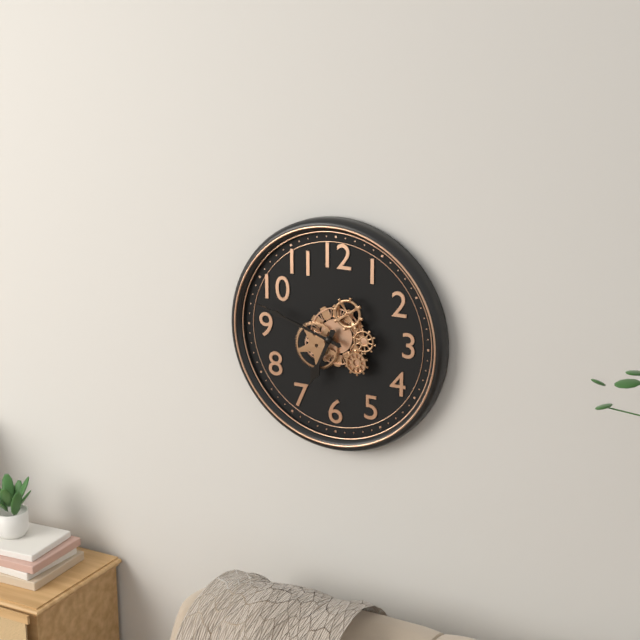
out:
6 h 48 min
